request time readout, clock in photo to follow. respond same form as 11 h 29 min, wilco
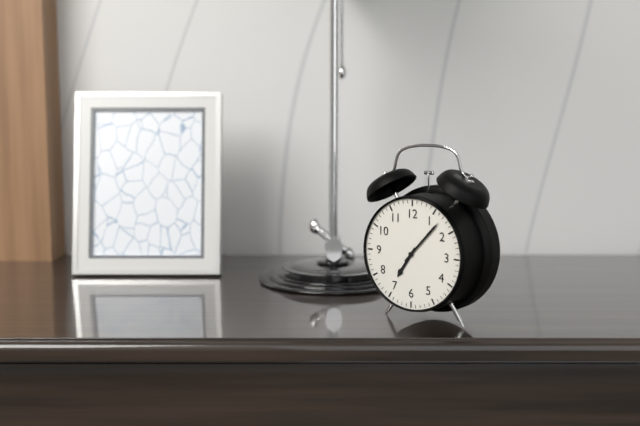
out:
7 h 07 min
